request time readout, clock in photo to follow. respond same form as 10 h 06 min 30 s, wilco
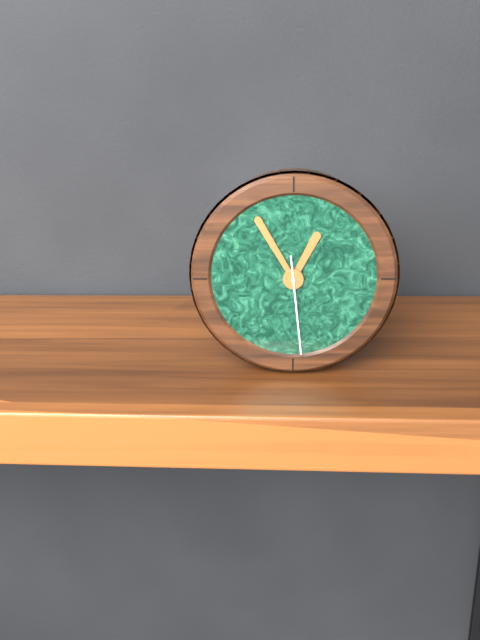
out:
12 h 55 min 29 s
